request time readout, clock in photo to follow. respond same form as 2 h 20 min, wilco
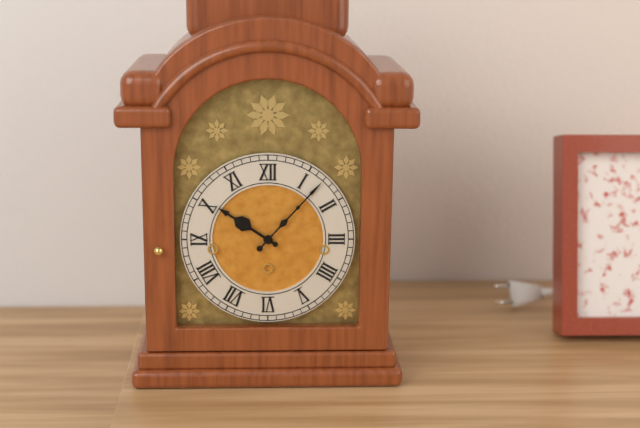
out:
10 h 07 min
